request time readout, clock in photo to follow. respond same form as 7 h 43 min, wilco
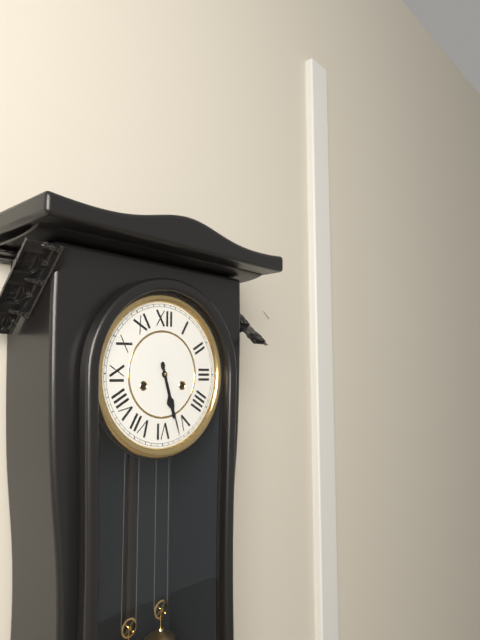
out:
5 h 27 min
